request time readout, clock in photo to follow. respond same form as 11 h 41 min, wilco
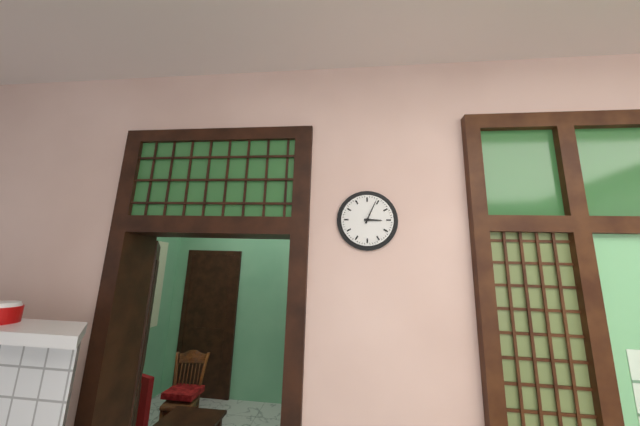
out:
3 h 04 min
